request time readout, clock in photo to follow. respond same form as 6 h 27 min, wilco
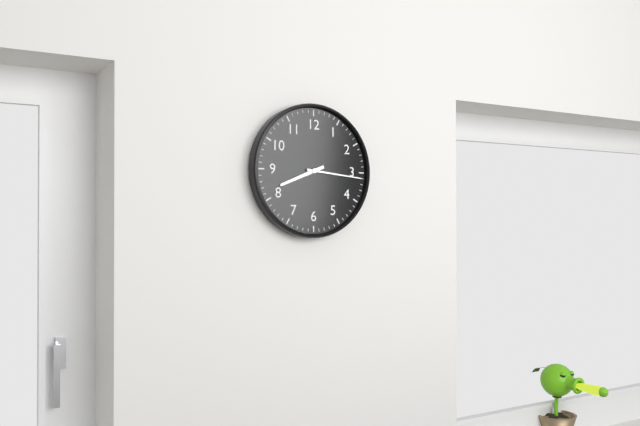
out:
8 h 16 min
